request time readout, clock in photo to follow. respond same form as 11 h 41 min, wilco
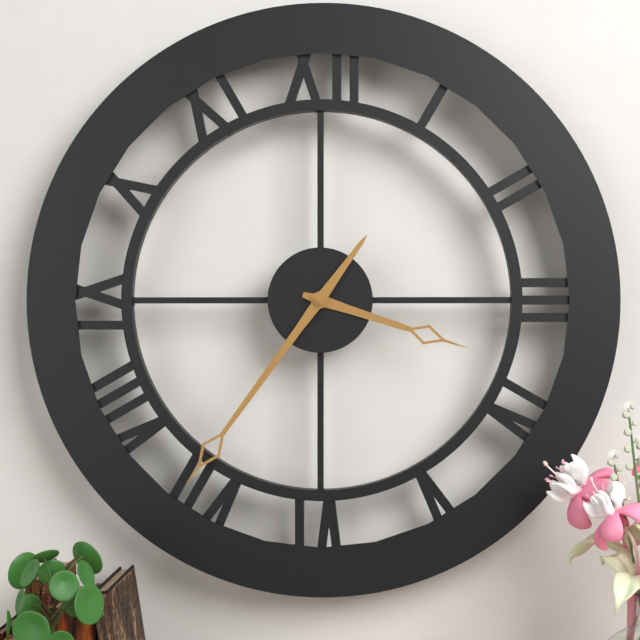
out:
3 h 36 min
